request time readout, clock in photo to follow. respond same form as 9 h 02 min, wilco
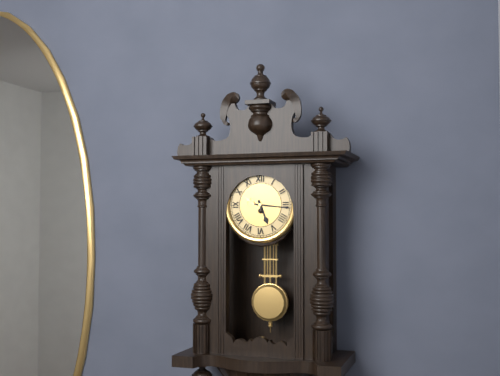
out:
5 h 16 min
